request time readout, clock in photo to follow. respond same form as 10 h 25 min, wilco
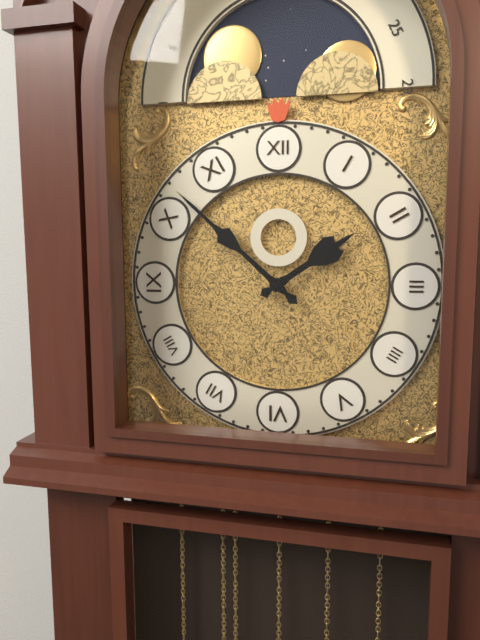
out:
1 h 52 min
